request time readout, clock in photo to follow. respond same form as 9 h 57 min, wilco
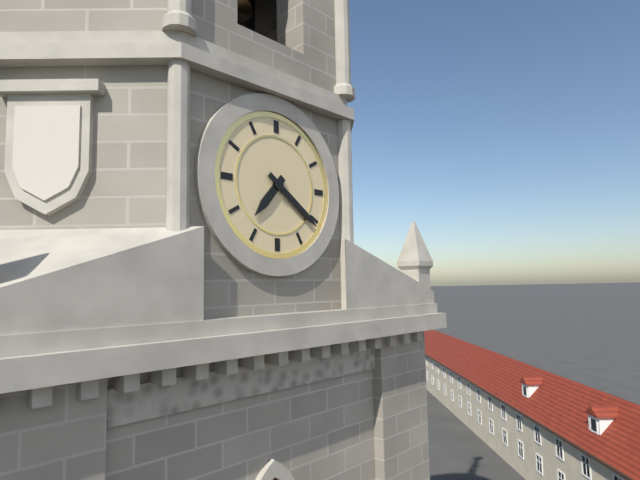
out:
7 h 21 min
